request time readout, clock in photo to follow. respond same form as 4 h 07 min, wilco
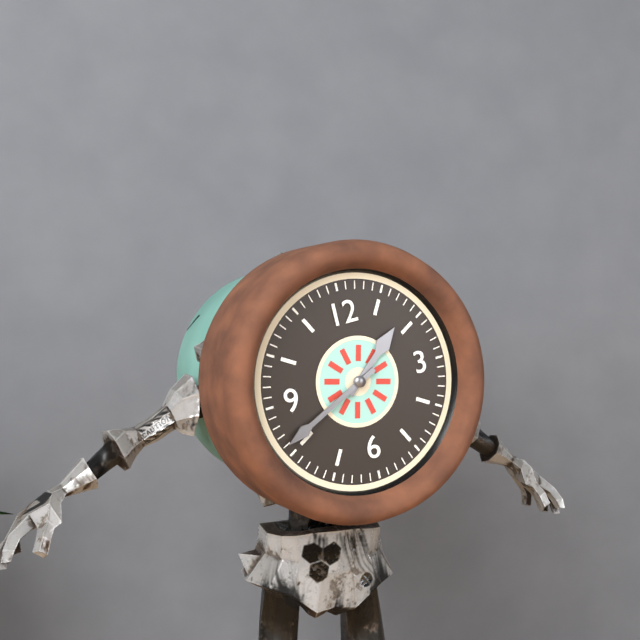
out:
1 h 41 min
